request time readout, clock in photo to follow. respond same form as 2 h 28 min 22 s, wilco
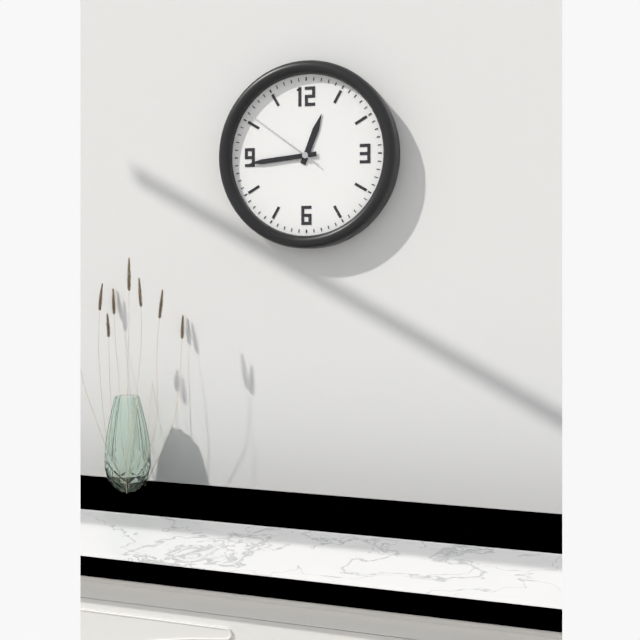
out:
12 h 44 min 51 s
